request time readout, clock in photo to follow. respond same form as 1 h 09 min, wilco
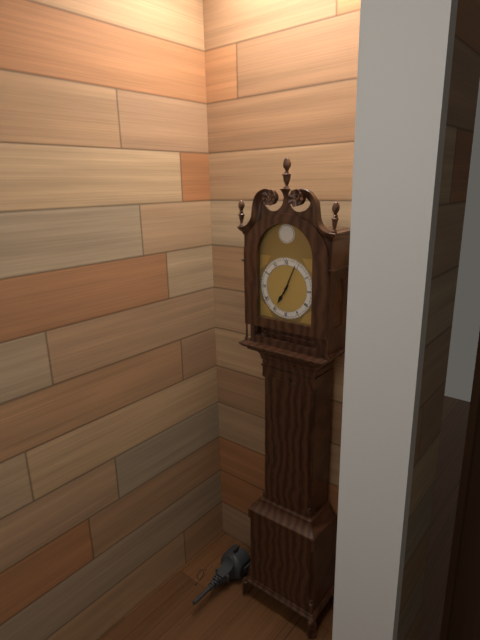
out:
7 h 04 min
